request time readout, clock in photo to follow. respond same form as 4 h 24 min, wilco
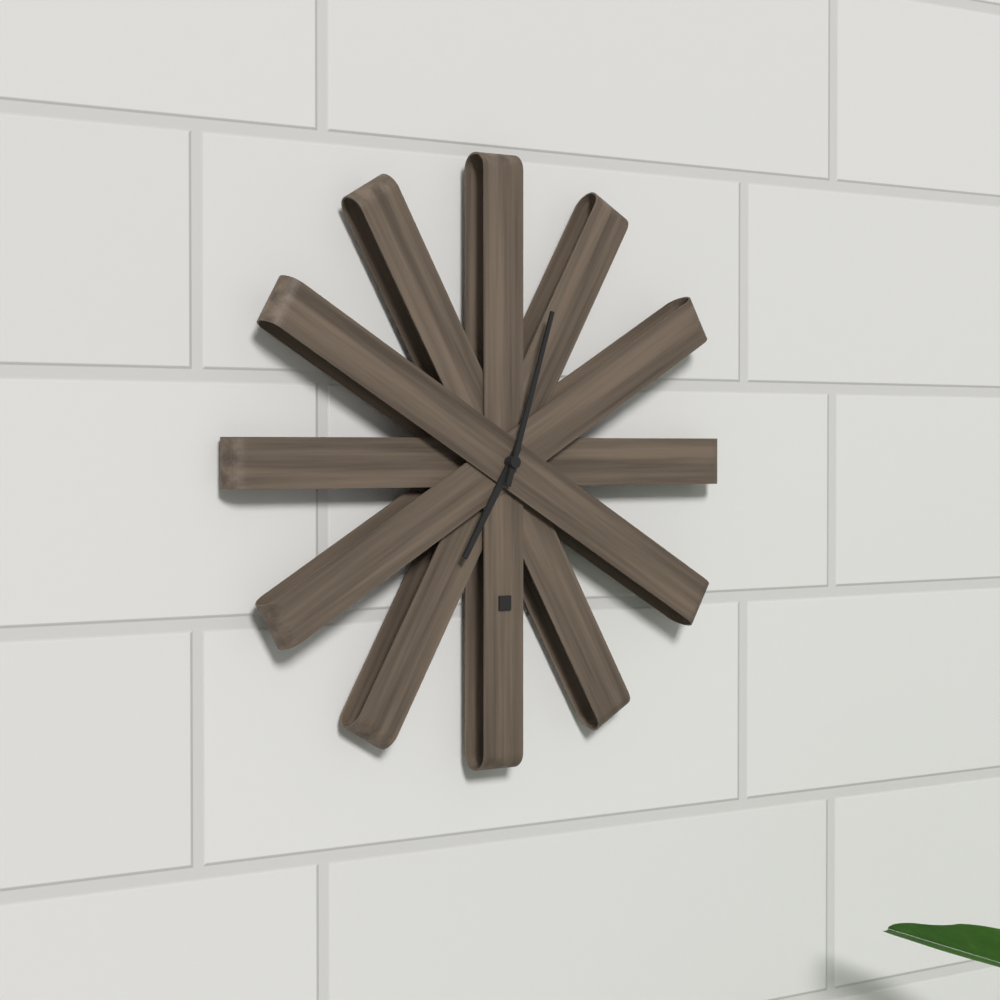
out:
7 h 03 min
